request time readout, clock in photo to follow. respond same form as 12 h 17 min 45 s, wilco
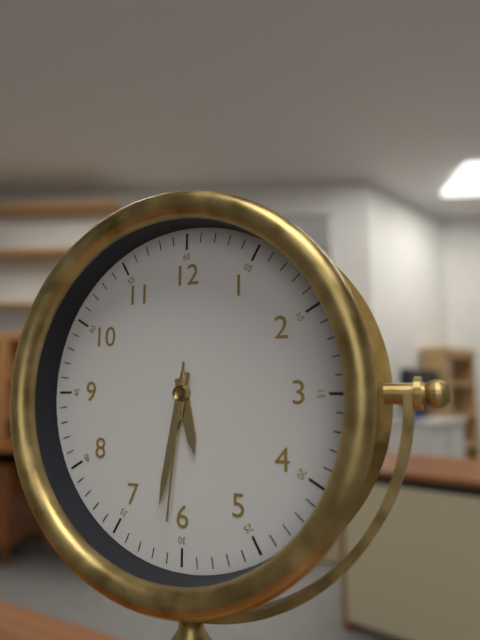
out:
5 h 32 min 31 s
